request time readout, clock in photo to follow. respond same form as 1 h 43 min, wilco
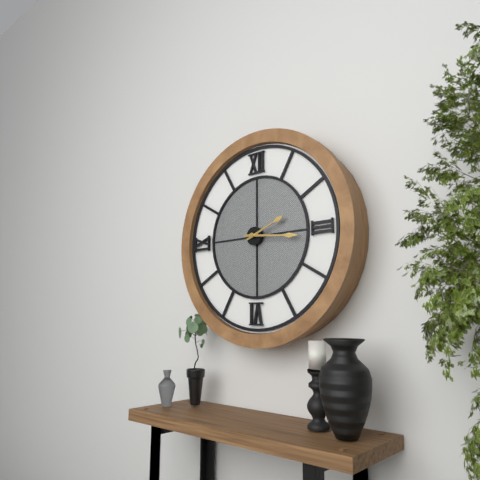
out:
2 h 16 min
